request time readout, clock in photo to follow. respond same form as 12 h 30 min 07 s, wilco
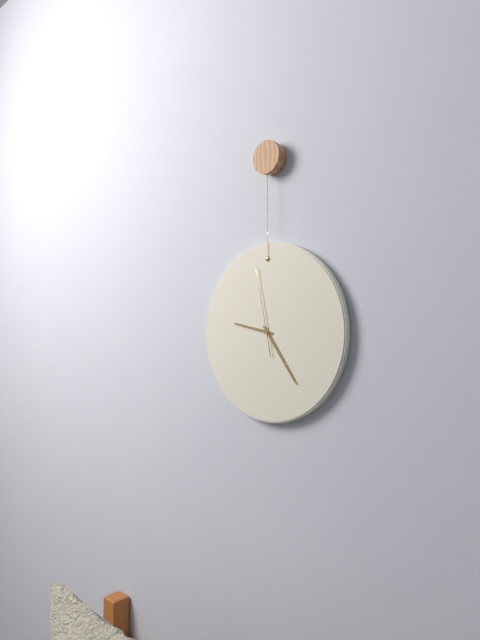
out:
9 h 24 min 58 s
